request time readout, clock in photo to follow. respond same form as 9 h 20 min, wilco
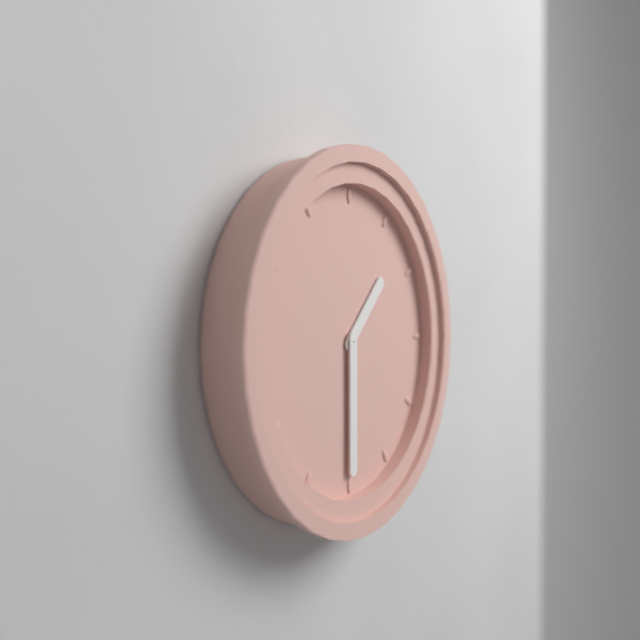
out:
1 h 30 min
